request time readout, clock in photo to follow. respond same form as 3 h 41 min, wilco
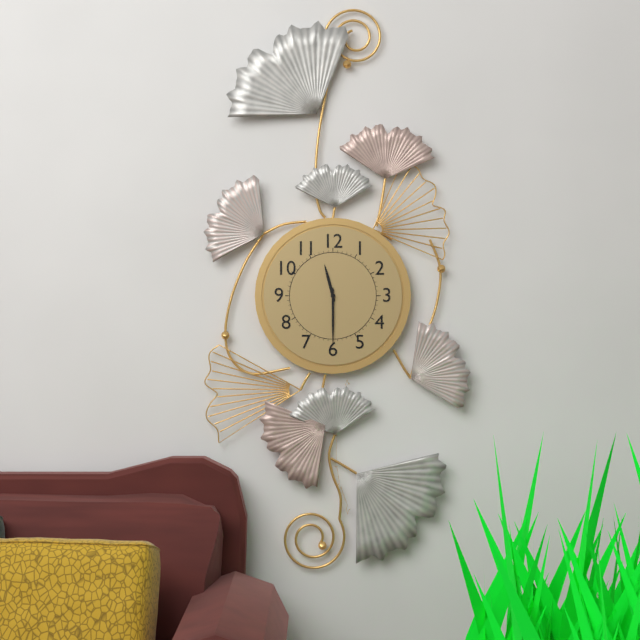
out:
11 h 30 min
